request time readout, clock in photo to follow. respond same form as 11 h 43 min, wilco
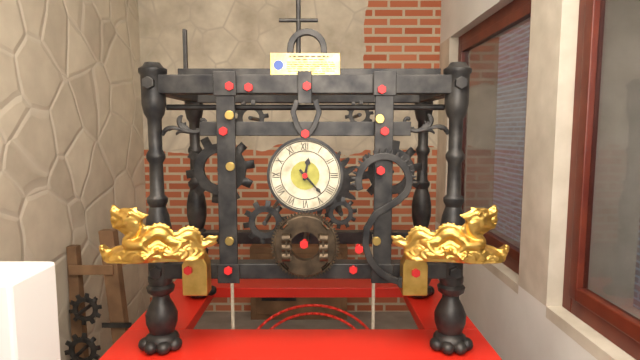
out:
12 h 23 min
